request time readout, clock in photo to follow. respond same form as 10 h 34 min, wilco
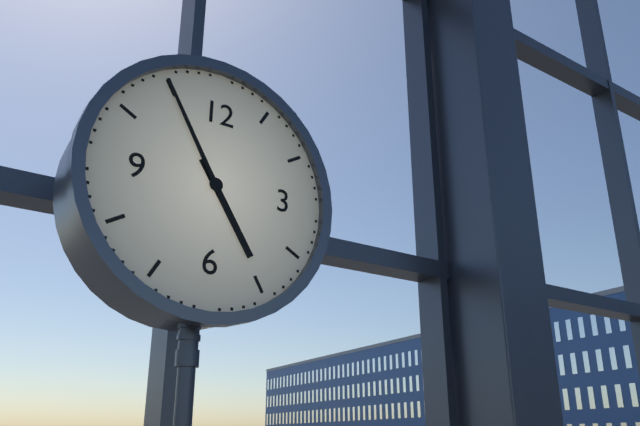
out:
4 h 55 min
